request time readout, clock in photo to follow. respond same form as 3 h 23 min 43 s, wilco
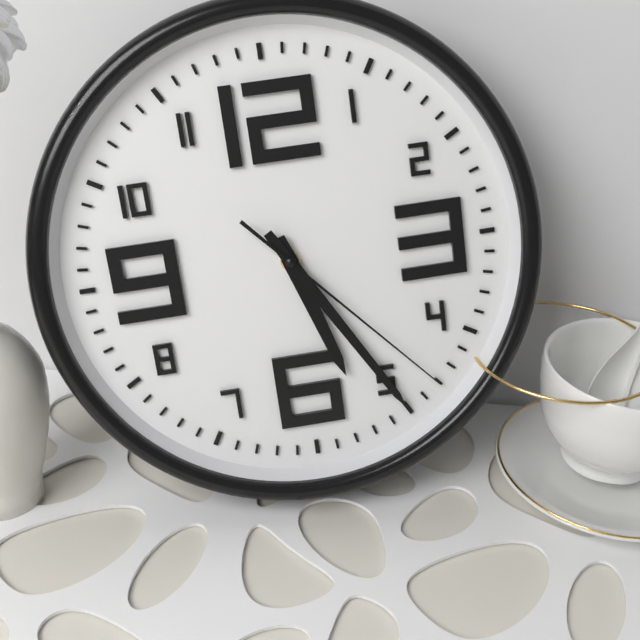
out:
5 h 25 min 23 s
